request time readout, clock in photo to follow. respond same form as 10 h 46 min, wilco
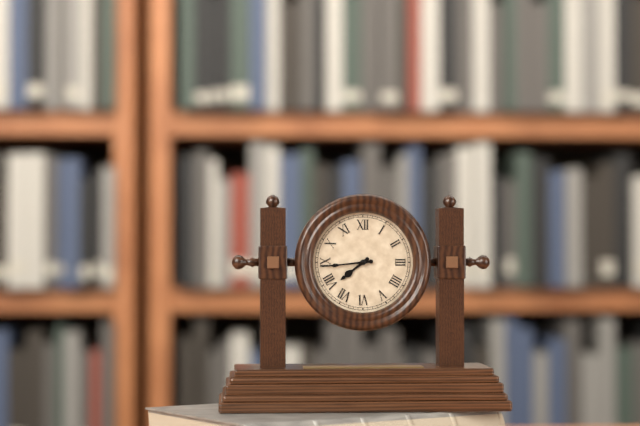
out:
7 h 44 min
